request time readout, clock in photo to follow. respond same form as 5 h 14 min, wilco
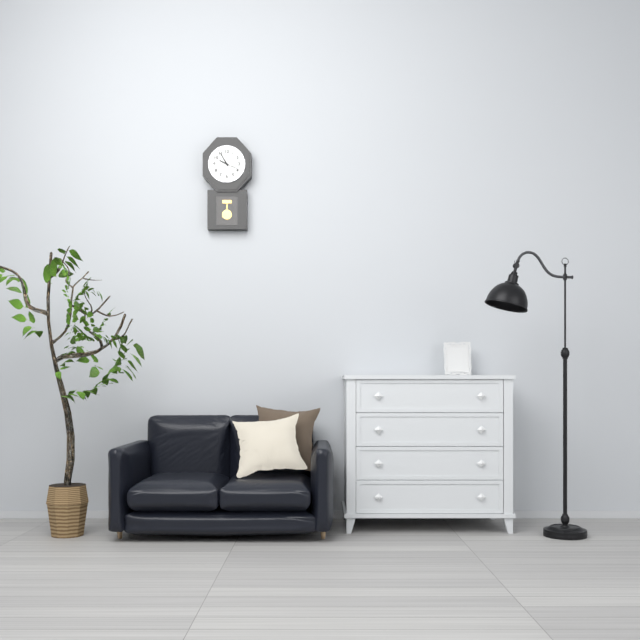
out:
9 h 55 min
